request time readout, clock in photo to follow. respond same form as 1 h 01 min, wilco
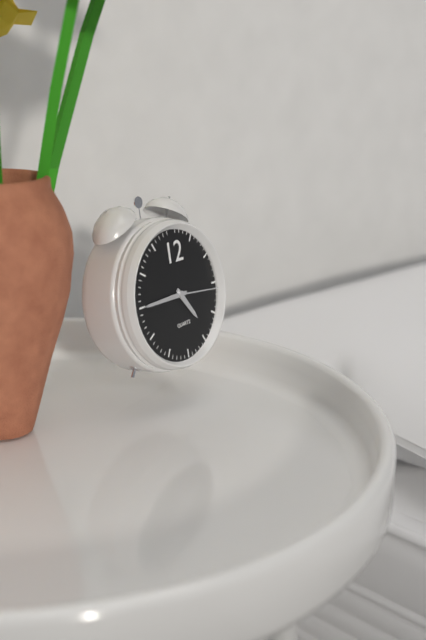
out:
4 h 45 min
